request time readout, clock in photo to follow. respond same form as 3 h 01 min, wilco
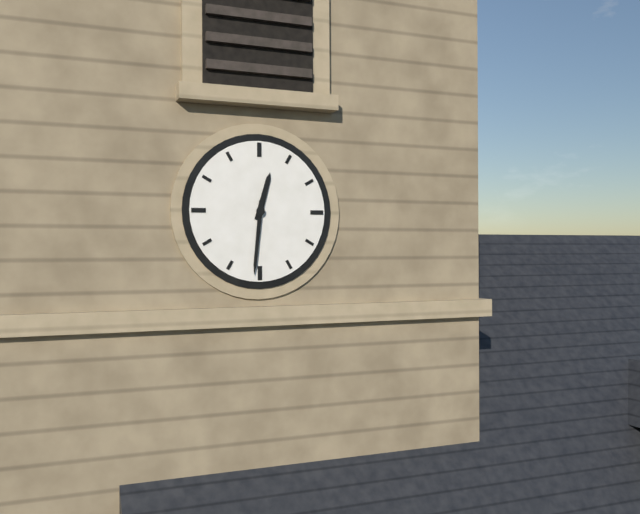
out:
12 h 31 min
